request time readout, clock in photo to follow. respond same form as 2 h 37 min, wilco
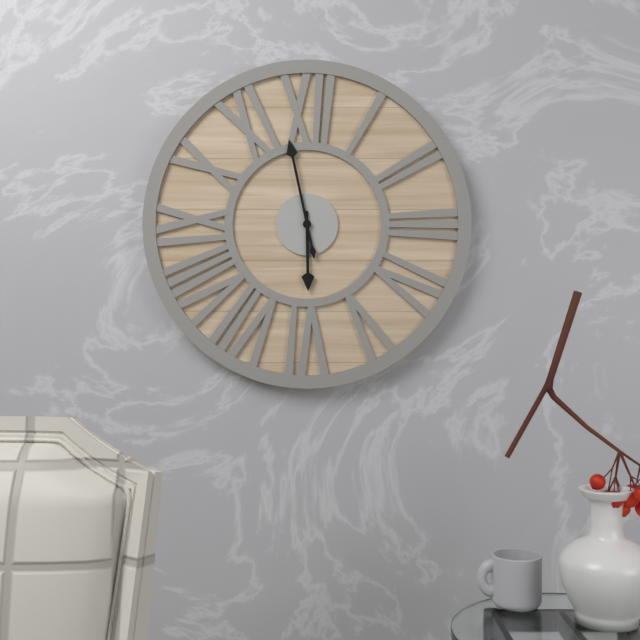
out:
5 h 58 min
